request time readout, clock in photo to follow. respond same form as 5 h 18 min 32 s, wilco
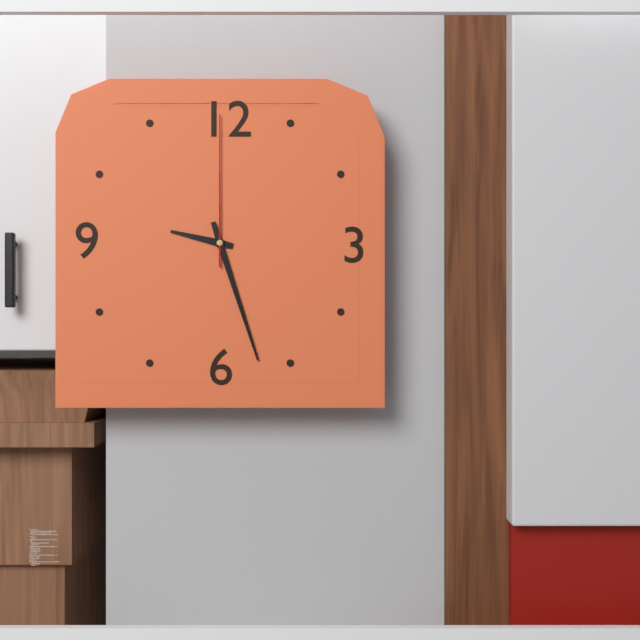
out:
9 h 27 min 00 s
